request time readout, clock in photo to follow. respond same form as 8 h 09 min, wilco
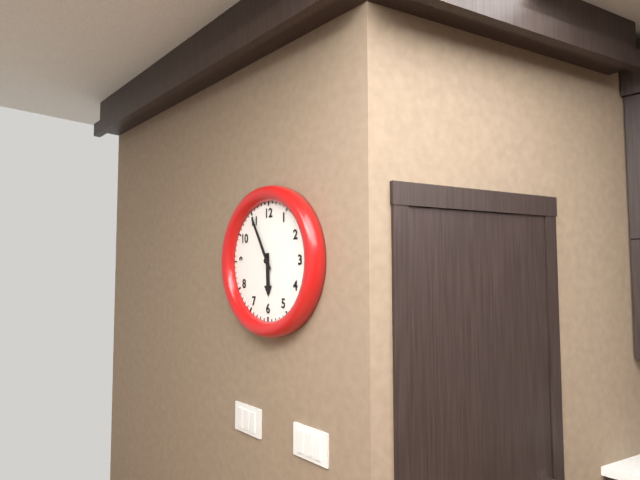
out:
5 h 55 min
